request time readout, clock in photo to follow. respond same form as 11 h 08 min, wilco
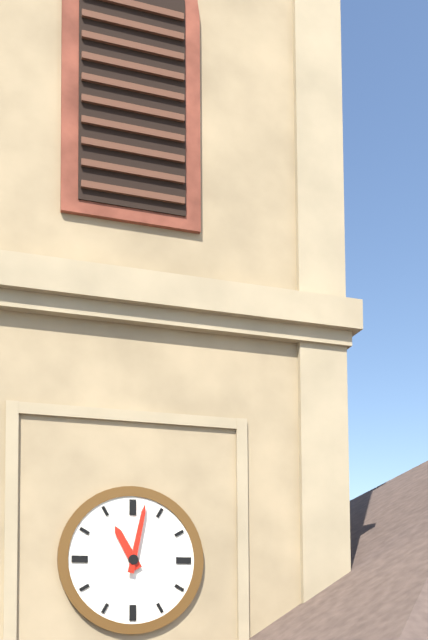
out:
11 h 02 min
